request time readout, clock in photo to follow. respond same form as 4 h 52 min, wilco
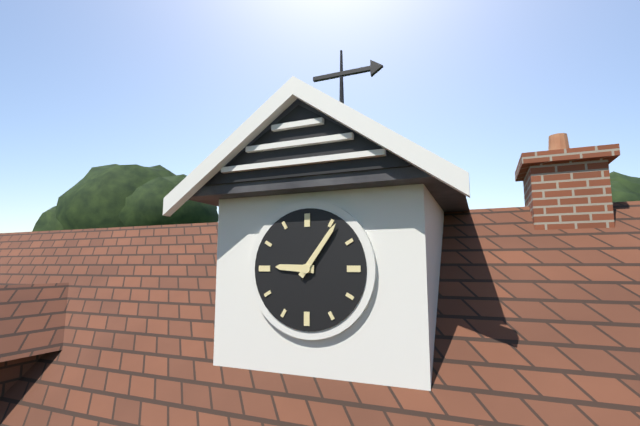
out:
9 h 06 min
